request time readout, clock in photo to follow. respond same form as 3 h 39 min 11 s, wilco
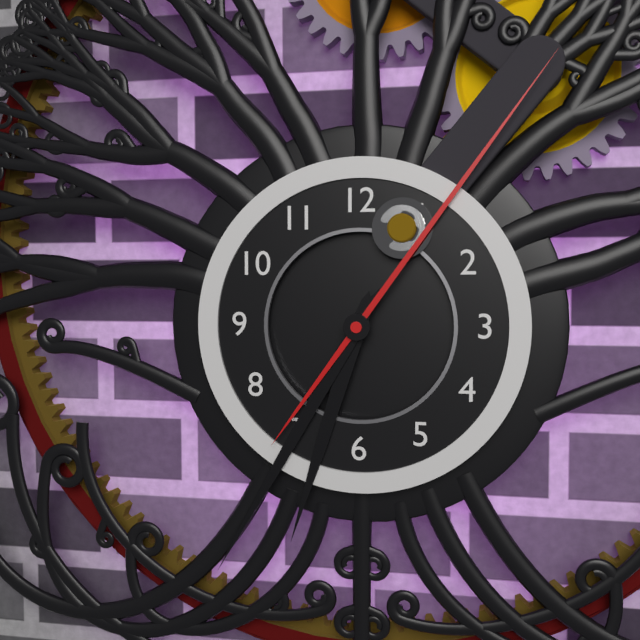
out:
6 h 35 min 06 s
